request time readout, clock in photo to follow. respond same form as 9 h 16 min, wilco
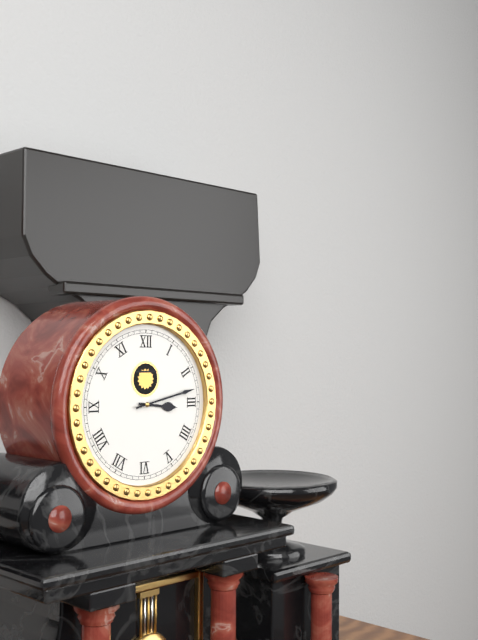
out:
3 h 13 min
